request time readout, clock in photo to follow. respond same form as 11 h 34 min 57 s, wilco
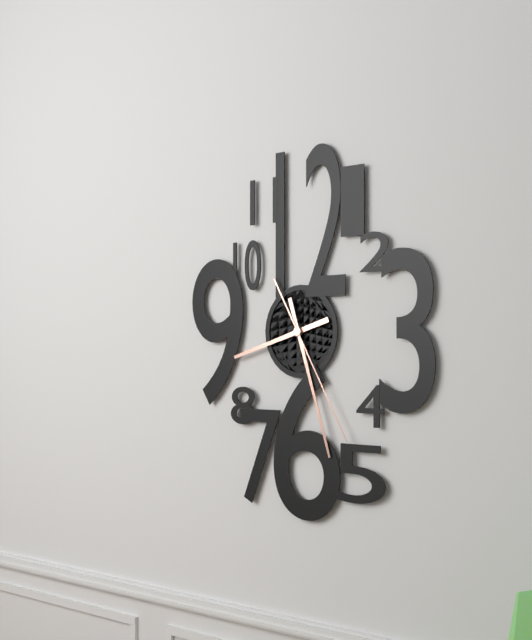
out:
8 h 27 min 25 s
